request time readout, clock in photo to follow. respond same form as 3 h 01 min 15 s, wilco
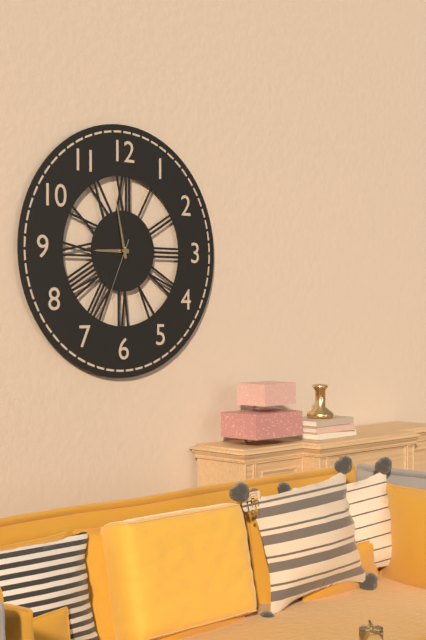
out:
8 h 58 min 34 s
